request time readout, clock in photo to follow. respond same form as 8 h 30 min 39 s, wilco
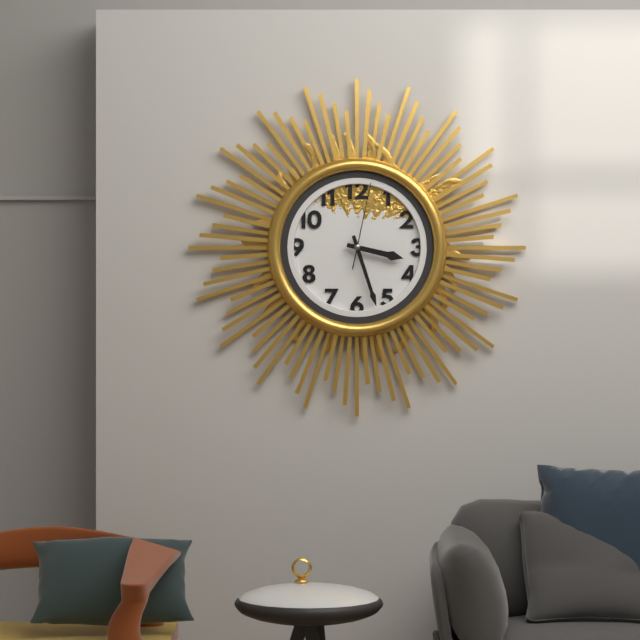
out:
3 h 27 min 02 s
